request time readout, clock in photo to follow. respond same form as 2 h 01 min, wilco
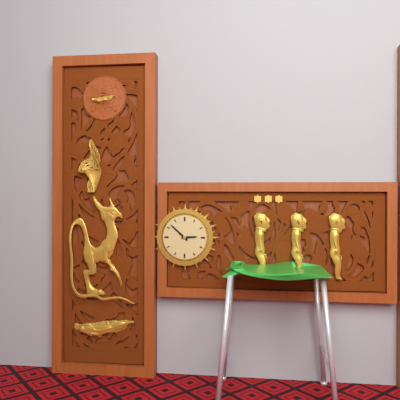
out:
2 h 52 min
